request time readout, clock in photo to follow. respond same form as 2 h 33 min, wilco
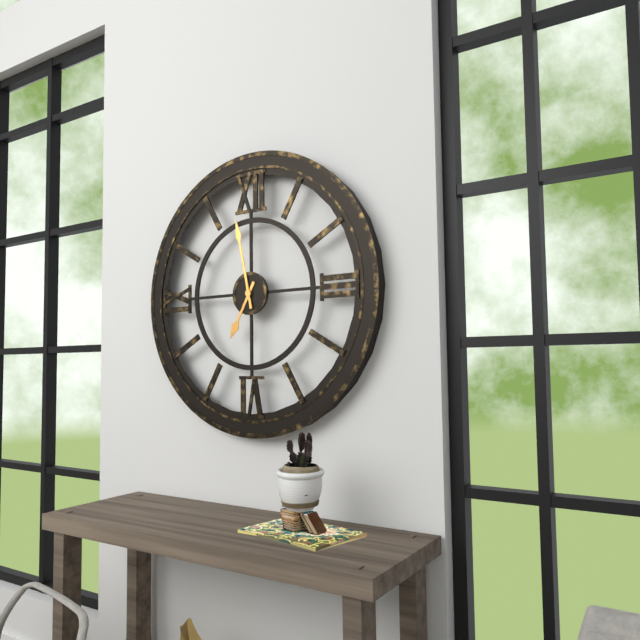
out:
6 h 58 min
